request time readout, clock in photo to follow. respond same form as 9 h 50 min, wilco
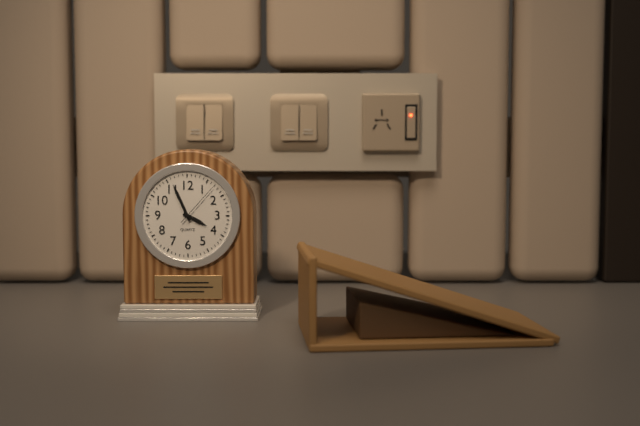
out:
3 h 56 min
